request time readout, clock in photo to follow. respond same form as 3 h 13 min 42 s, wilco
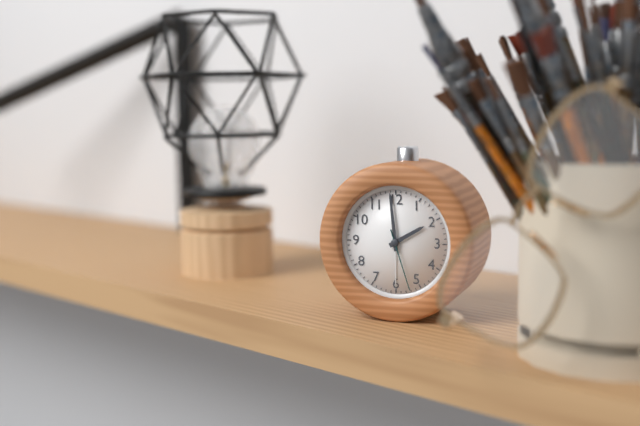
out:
1 h 59 min 27 s
